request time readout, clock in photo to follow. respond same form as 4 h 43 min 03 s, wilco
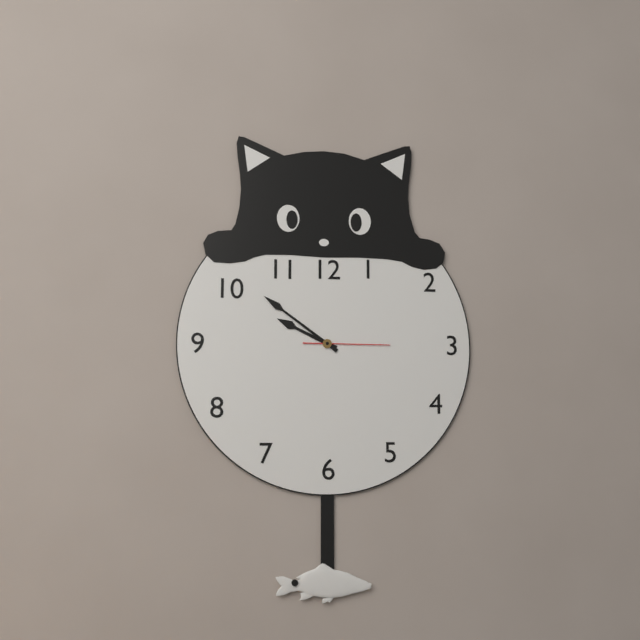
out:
9 h 51 min 15 s
